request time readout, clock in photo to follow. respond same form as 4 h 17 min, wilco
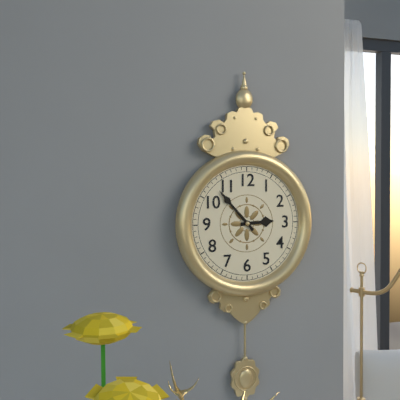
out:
2 h 53 min
